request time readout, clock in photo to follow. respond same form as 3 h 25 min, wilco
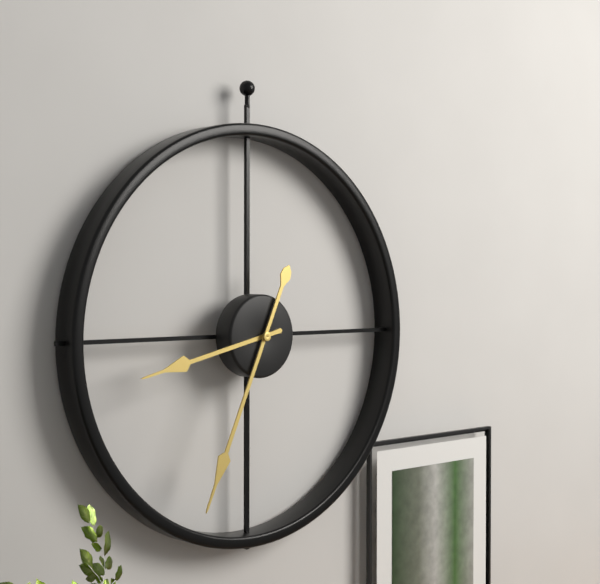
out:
8 h 34 min
